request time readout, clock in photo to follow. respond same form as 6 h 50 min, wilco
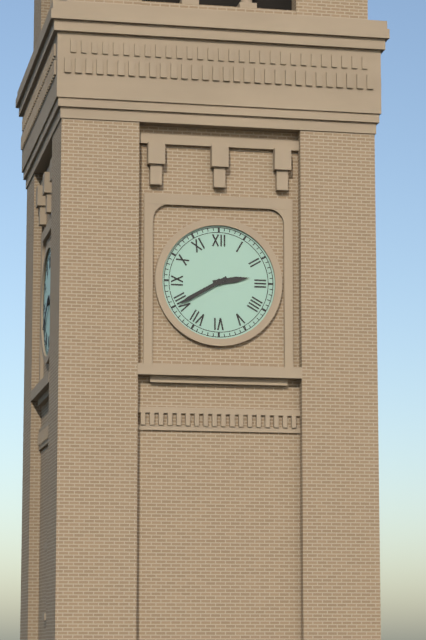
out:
2 h 40 min
